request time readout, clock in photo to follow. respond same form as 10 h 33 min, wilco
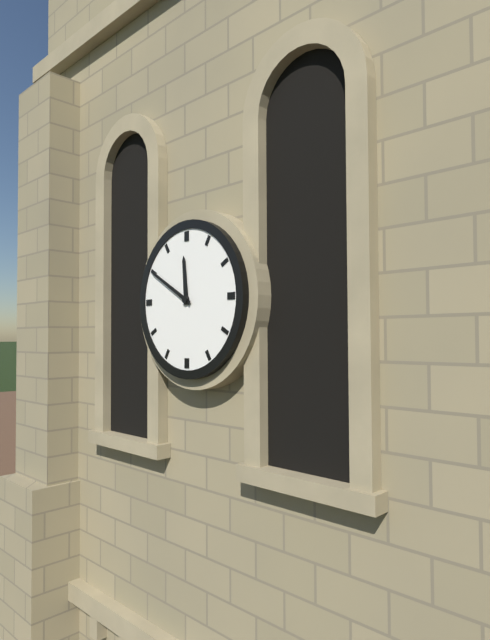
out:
11 h 50 min
